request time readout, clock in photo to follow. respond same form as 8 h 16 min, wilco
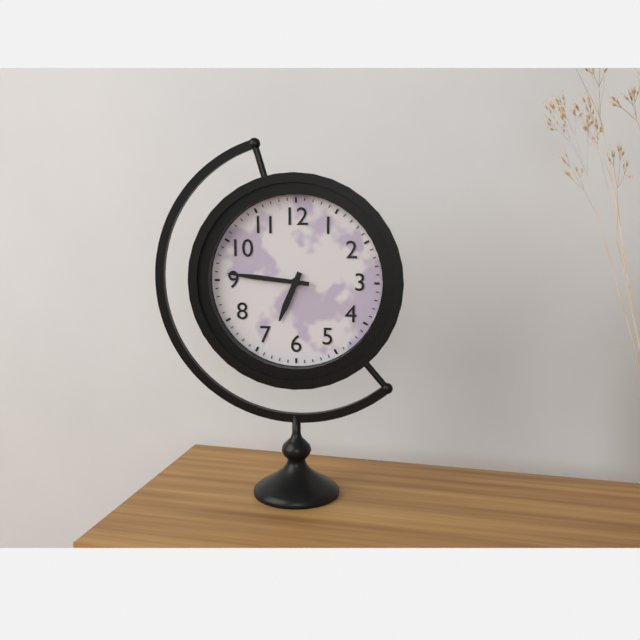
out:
6 h 46 min
